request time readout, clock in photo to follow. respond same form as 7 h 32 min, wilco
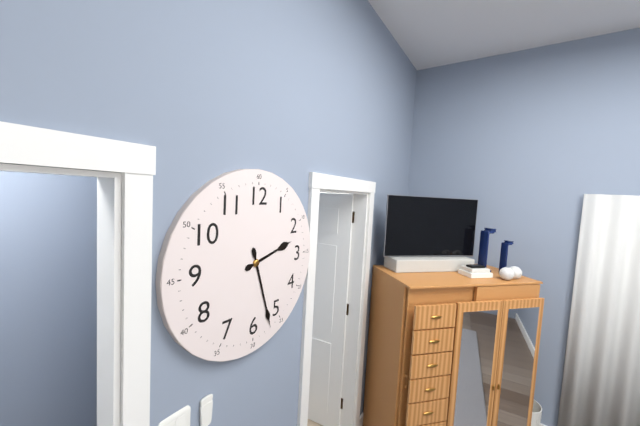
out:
2 h 27 min
